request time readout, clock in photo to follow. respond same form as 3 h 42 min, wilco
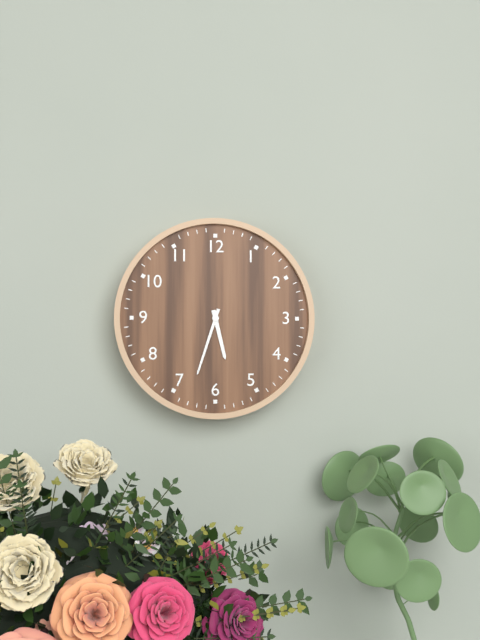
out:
5 h 33 min
